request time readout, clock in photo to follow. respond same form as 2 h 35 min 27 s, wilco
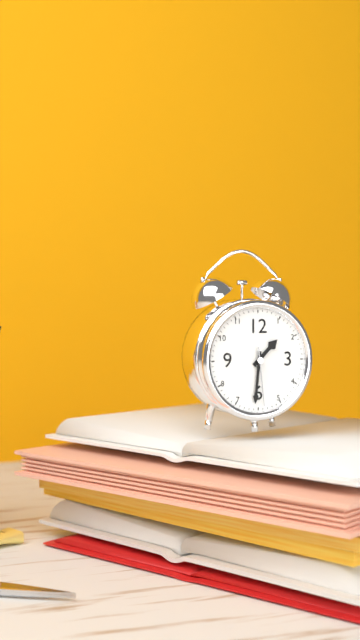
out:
1 h 31 min 29 s
